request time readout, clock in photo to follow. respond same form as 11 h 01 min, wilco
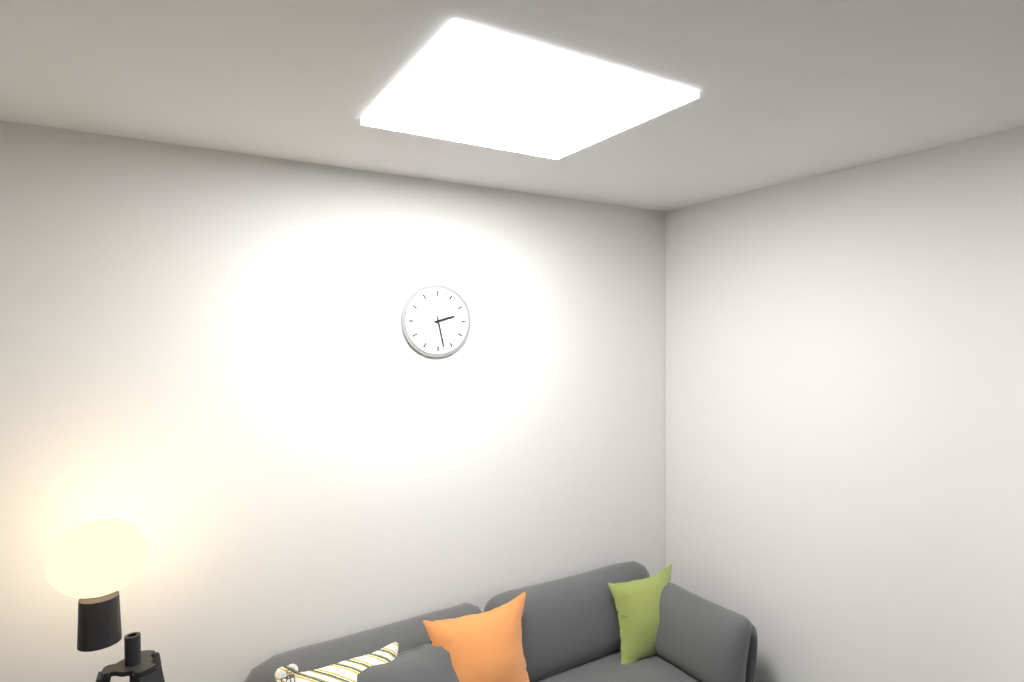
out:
2 h 28 min
